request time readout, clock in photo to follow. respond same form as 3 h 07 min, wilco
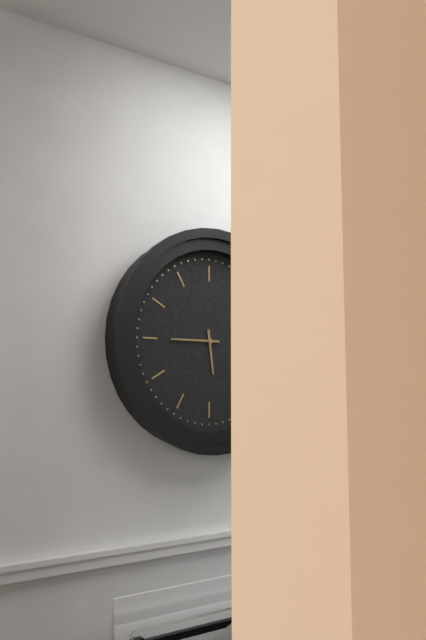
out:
5 h 45 min
